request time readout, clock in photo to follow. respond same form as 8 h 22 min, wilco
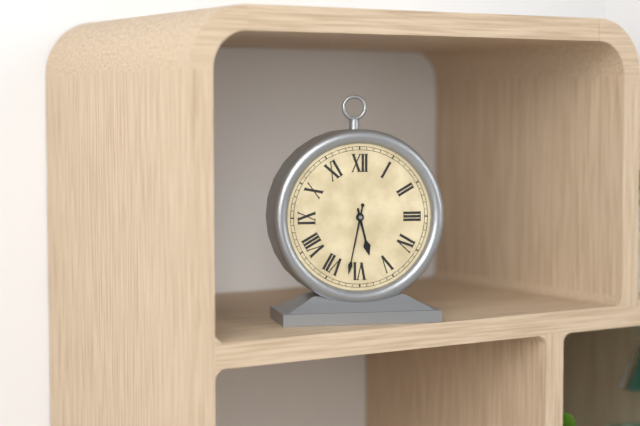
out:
5 h 32 min
